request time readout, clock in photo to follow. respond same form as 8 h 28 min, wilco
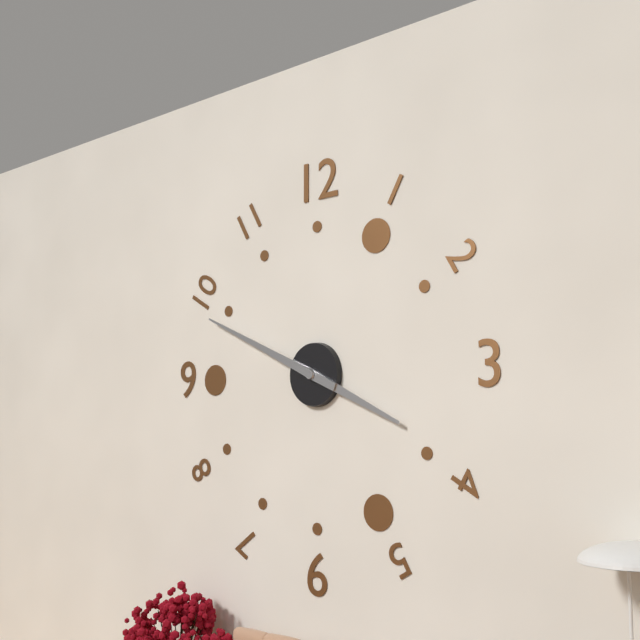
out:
3 h 49 min
